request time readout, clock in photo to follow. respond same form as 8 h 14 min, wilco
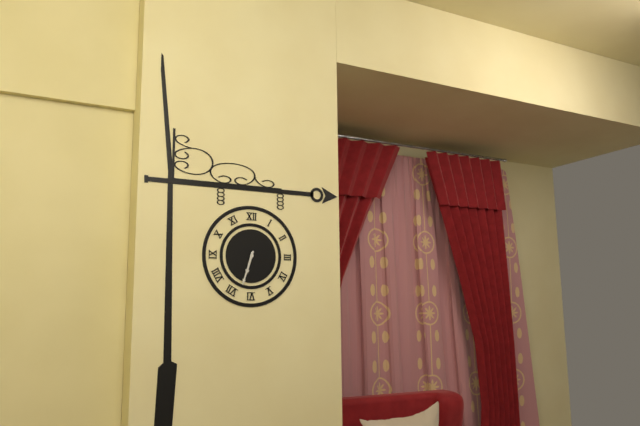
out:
6 h 33 min
